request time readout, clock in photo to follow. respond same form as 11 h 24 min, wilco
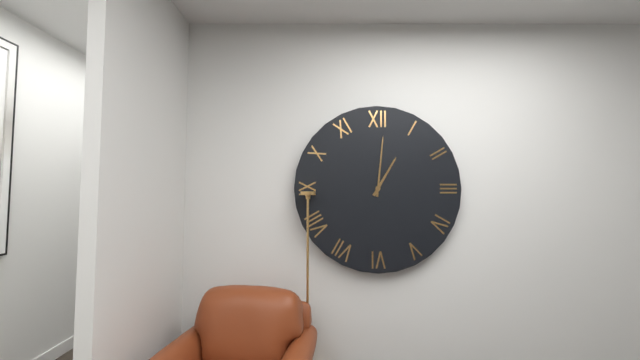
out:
1 h 01 min
